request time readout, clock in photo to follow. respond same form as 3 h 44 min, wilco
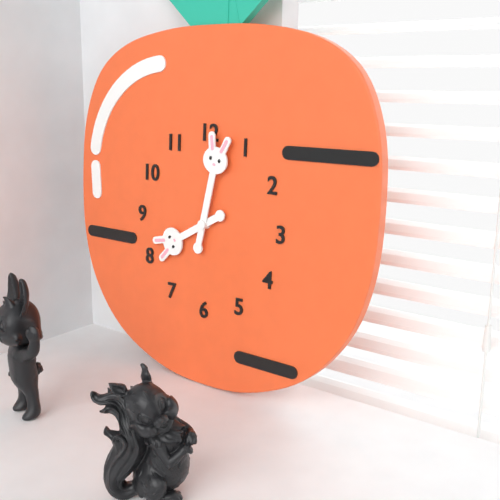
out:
8 h 02 min
